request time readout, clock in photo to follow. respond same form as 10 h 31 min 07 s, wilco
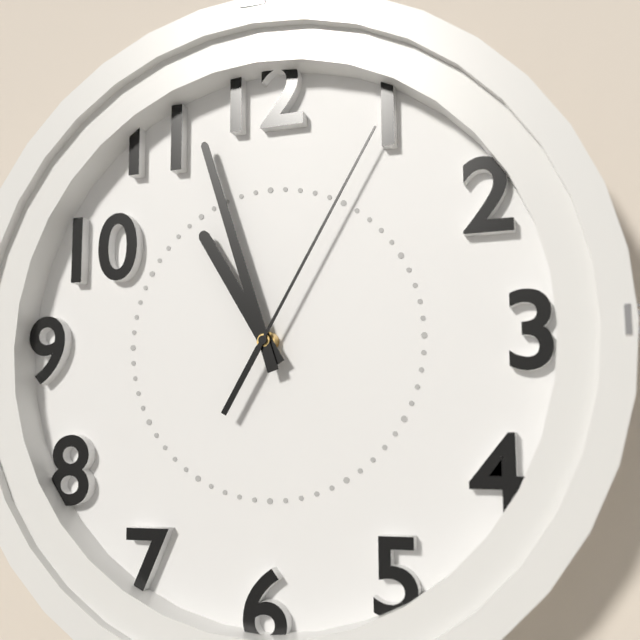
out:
10 h 57 min 05 s
